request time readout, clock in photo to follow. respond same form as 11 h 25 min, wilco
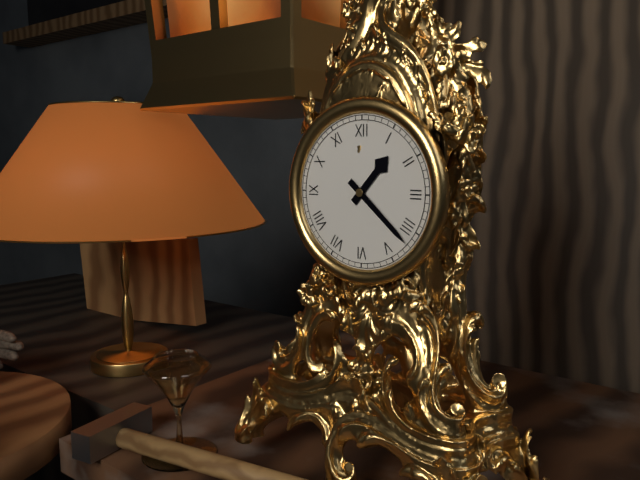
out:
1 h 22 min
